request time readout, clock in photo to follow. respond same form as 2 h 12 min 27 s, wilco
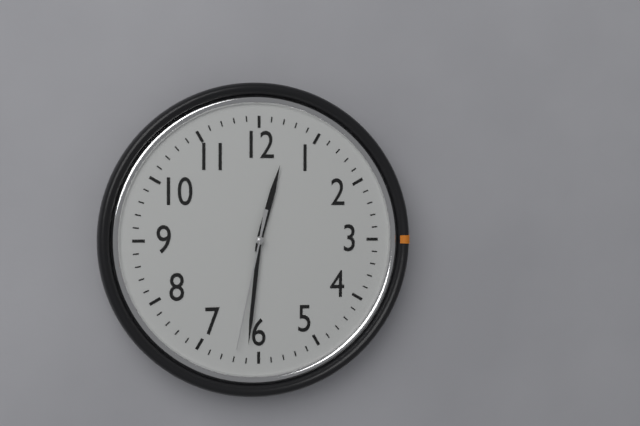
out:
12 h 31 min 32 s
